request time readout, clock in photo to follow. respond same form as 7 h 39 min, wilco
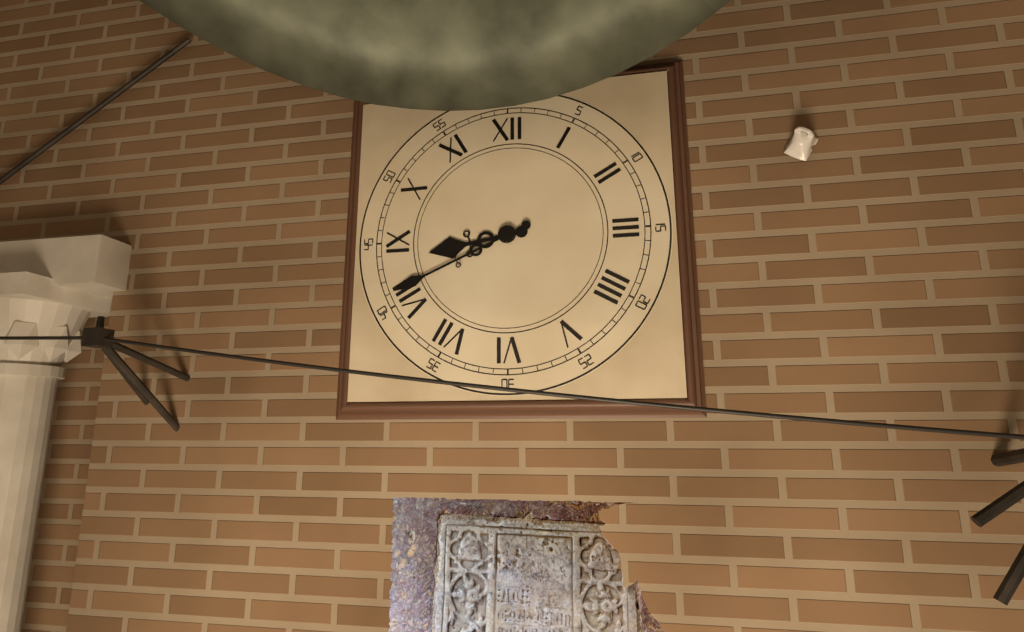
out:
8 h 41 min
